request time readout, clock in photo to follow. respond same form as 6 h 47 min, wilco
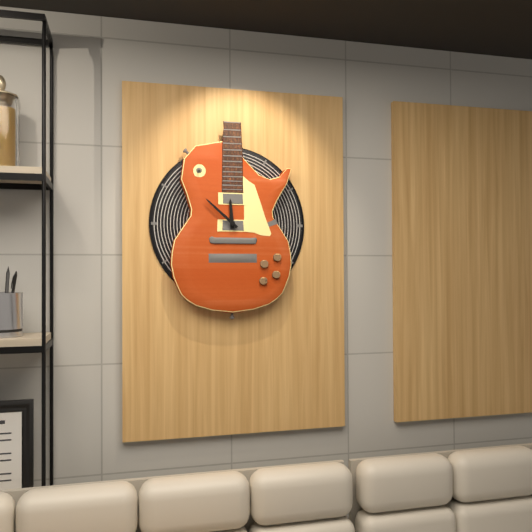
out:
11 h 52 min
